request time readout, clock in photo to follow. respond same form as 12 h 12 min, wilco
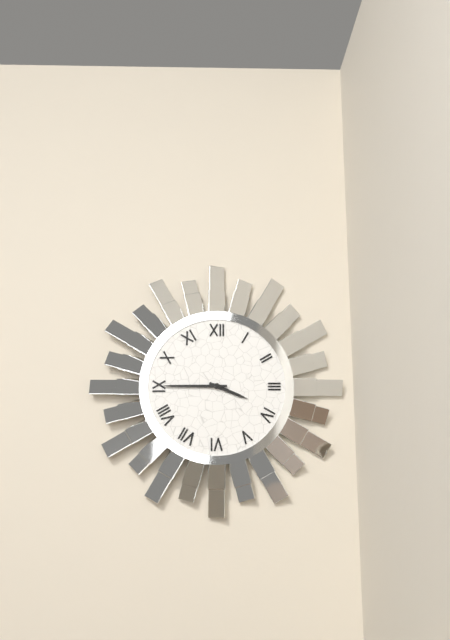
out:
3 h 45 min
